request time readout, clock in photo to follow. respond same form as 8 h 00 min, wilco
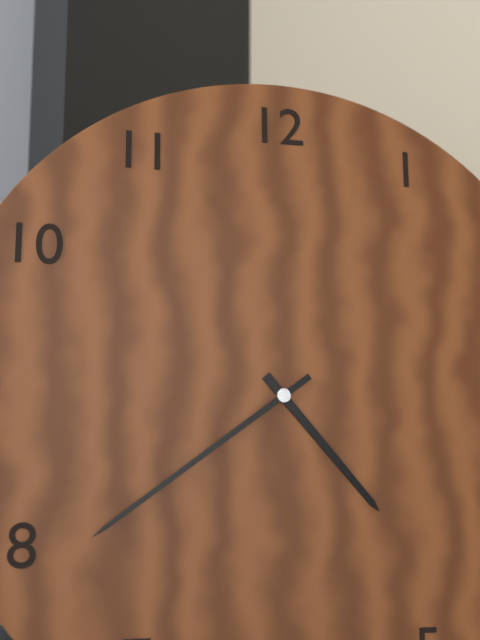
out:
4 h 39 min
